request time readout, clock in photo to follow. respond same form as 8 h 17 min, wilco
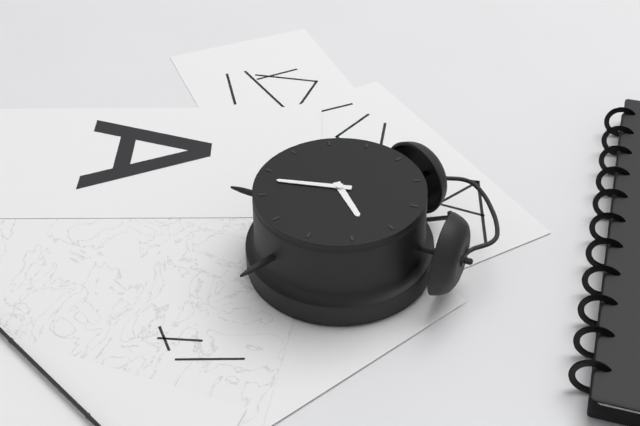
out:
2 h 33 min
